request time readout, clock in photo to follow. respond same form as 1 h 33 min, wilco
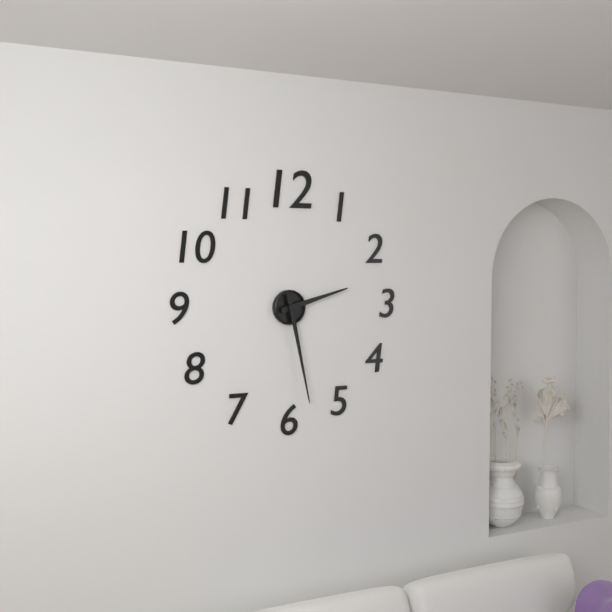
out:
2 h 28 min
